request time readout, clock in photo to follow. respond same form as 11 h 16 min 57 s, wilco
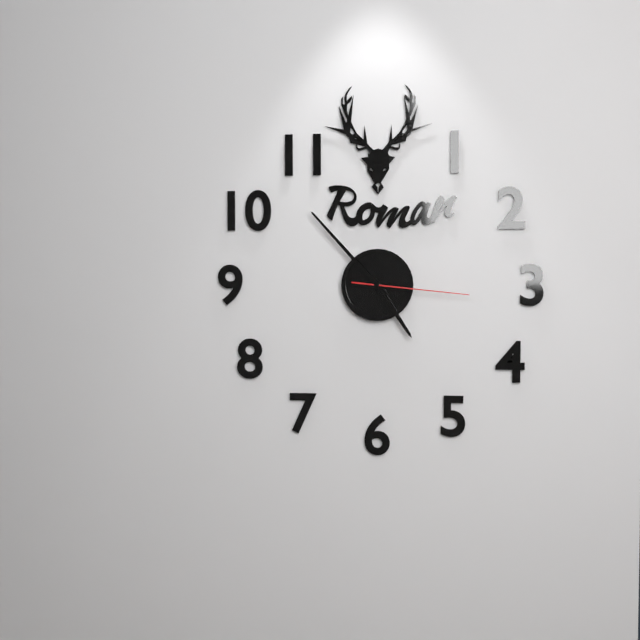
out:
4 h 53 min 16 s
